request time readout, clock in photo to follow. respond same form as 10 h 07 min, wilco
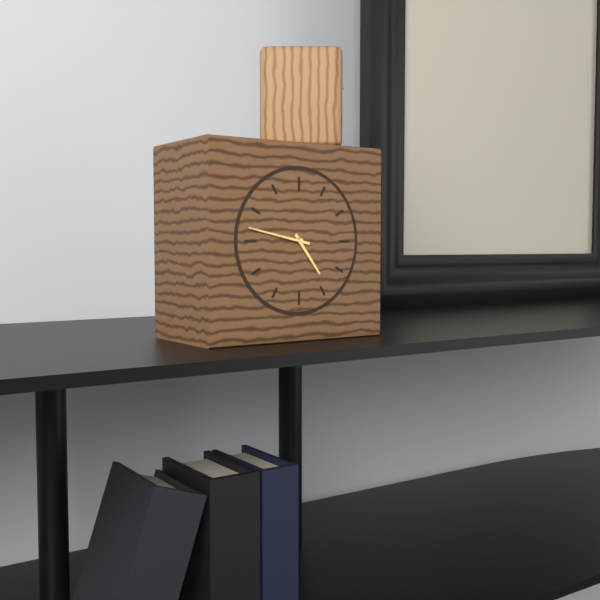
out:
4 h 47 min
